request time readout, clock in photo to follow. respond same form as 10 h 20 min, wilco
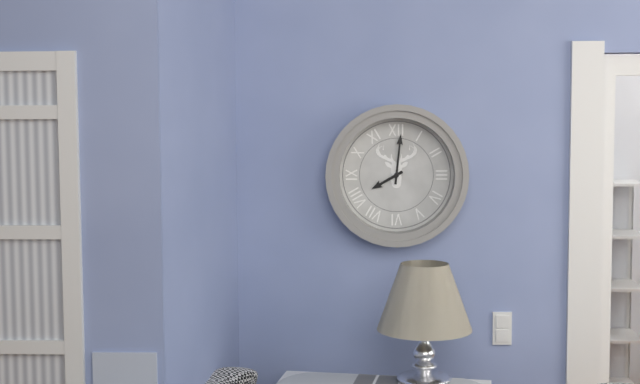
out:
8 h 01 min
